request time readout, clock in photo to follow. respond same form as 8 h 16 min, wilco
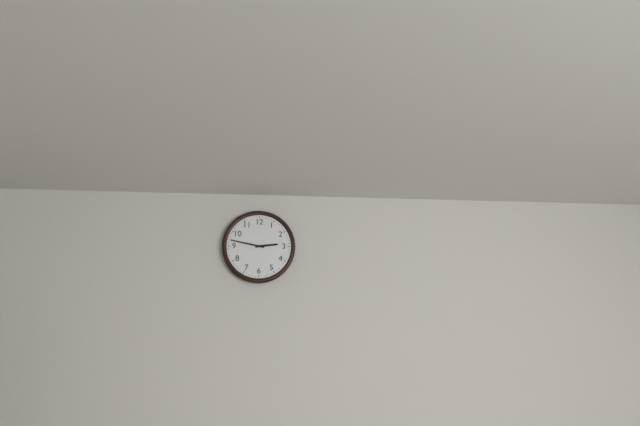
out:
2 h 47 min
